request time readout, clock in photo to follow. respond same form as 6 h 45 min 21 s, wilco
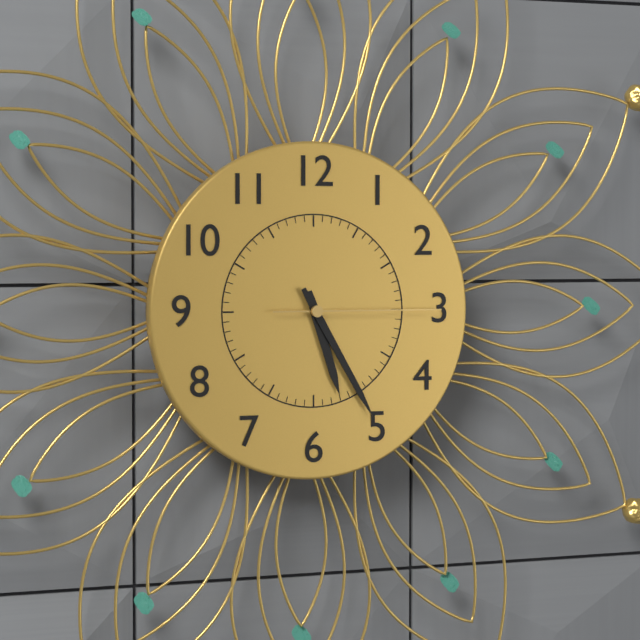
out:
5 h 25 min 15 s
